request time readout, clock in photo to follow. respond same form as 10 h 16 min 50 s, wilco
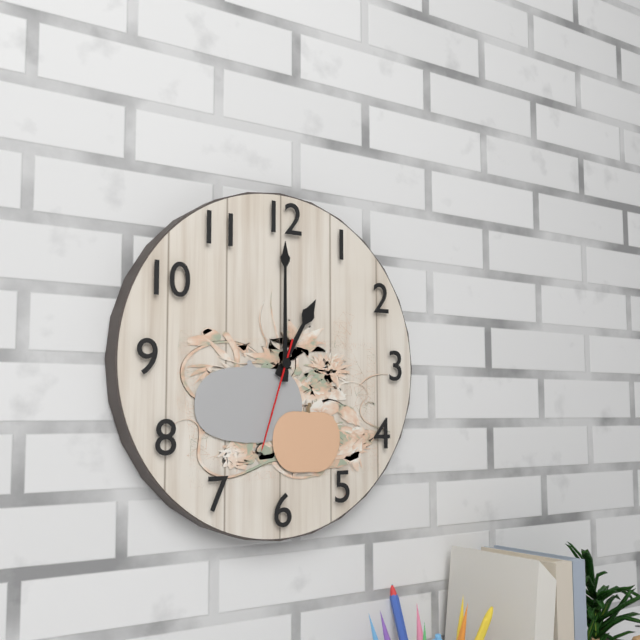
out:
1 h 00 min 33 s
